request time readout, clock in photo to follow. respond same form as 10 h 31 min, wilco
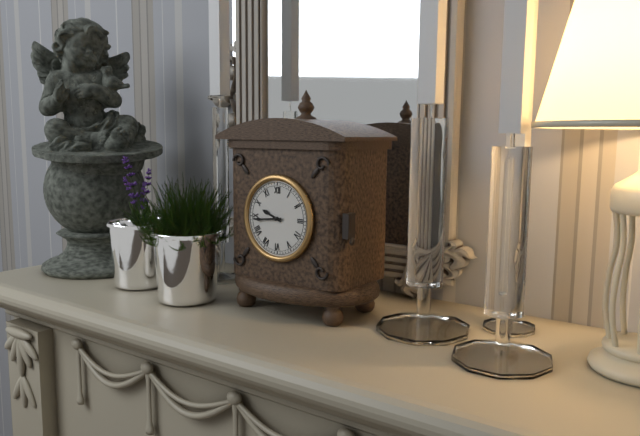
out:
9 h 44 min
